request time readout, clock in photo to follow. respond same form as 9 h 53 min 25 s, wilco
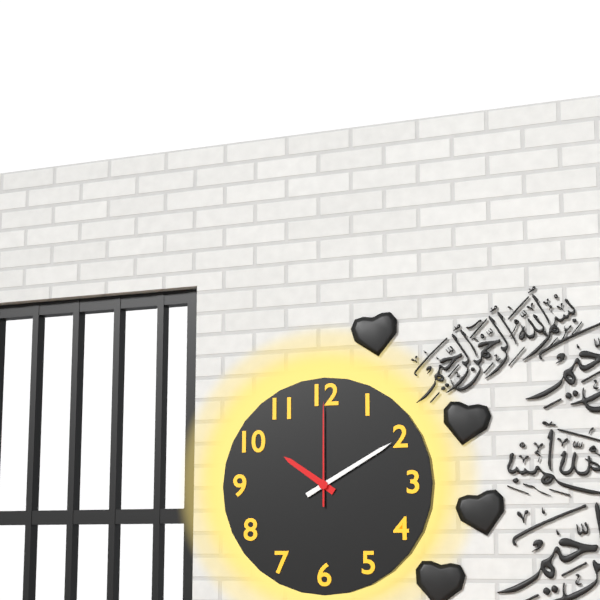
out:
10 h 10 min 00 s
